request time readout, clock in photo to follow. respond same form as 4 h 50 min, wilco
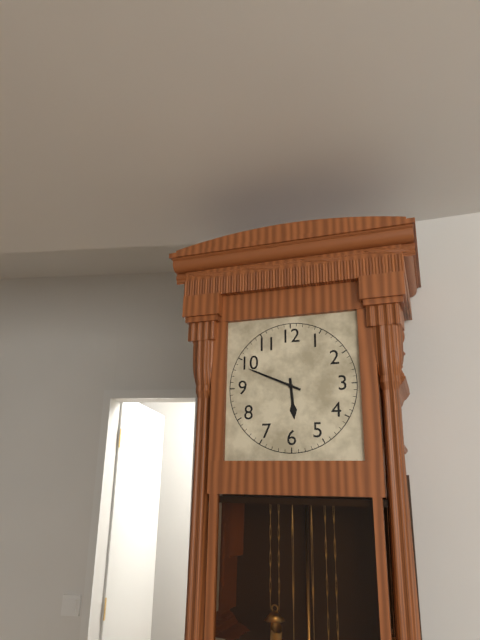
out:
5 h 49 min
